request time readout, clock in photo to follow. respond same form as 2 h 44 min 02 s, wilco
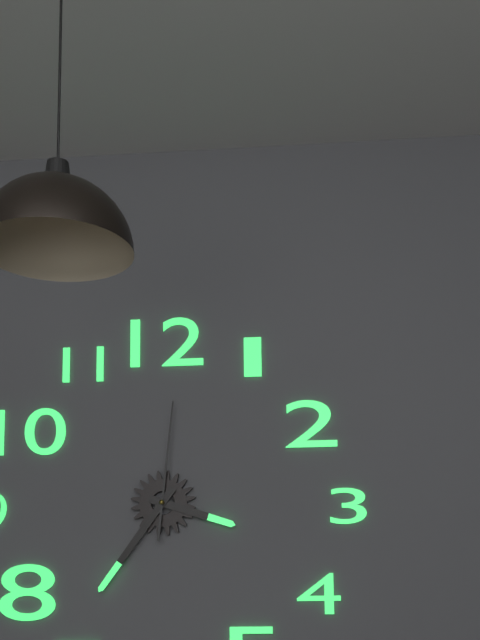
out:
3 h 36 min 01 s
